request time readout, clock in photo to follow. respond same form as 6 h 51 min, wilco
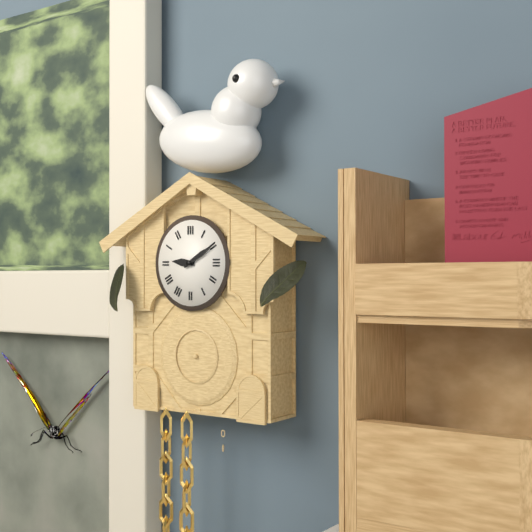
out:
9 h 10 min
